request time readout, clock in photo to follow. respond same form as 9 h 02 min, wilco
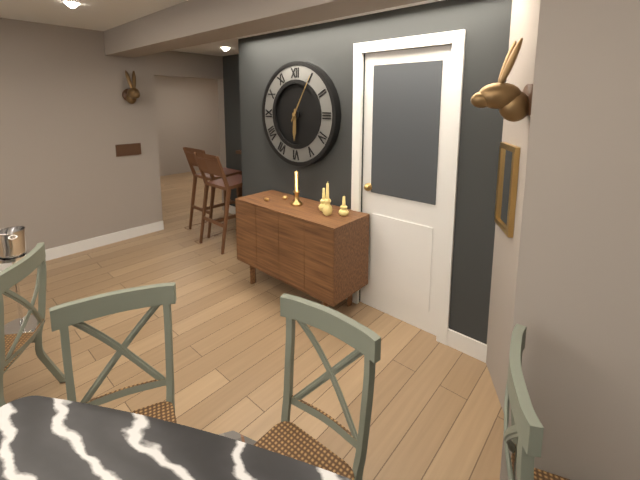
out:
6 h 05 min
